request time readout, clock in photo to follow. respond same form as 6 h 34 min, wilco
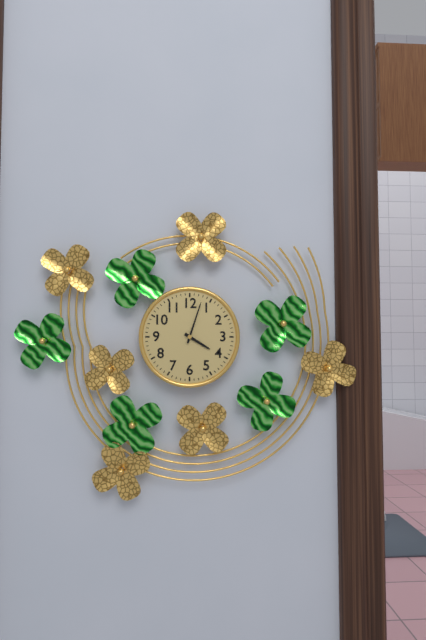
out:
4 h 03 min
